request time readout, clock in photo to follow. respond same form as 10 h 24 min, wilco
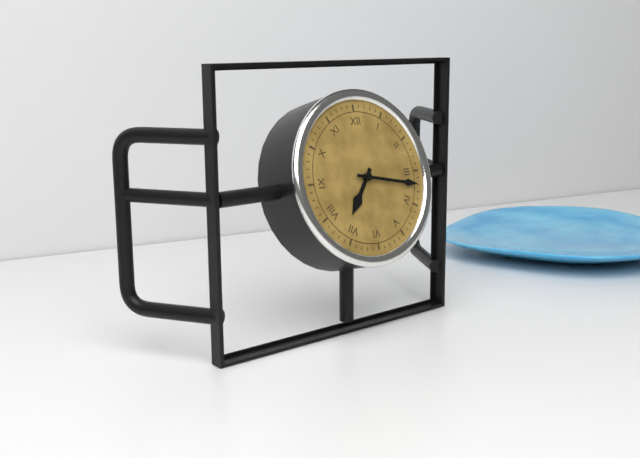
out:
7 h 17 min
